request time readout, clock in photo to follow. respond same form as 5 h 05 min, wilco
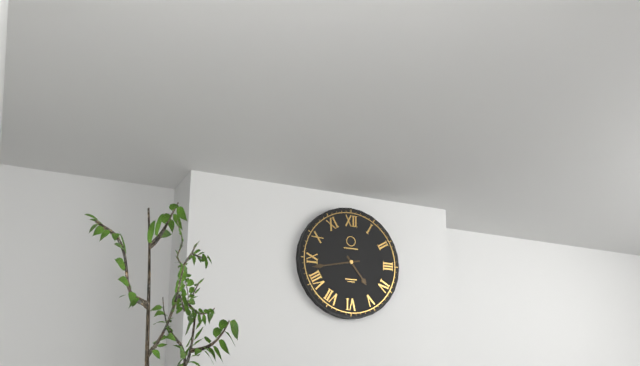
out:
4 h 43 min
